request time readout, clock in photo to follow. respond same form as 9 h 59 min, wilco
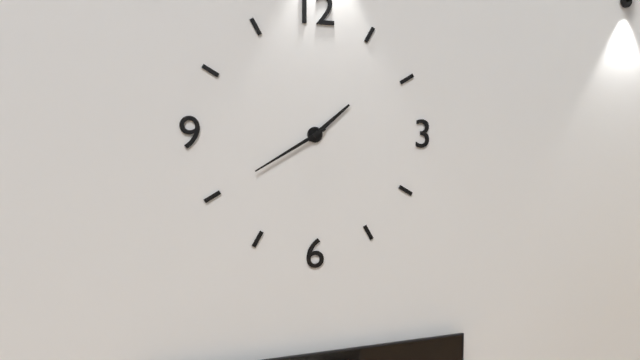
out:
1 h 40 min
